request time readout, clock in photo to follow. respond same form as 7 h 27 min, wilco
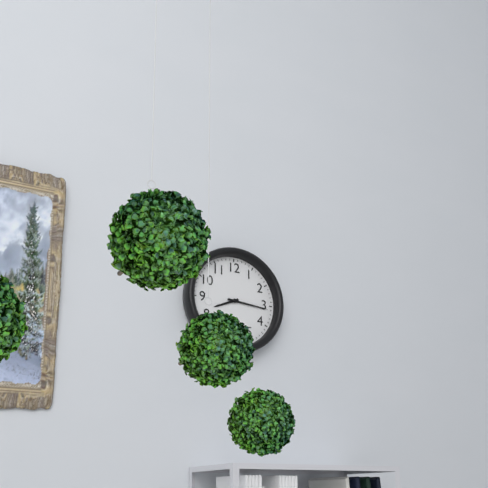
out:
8 h 16 min
